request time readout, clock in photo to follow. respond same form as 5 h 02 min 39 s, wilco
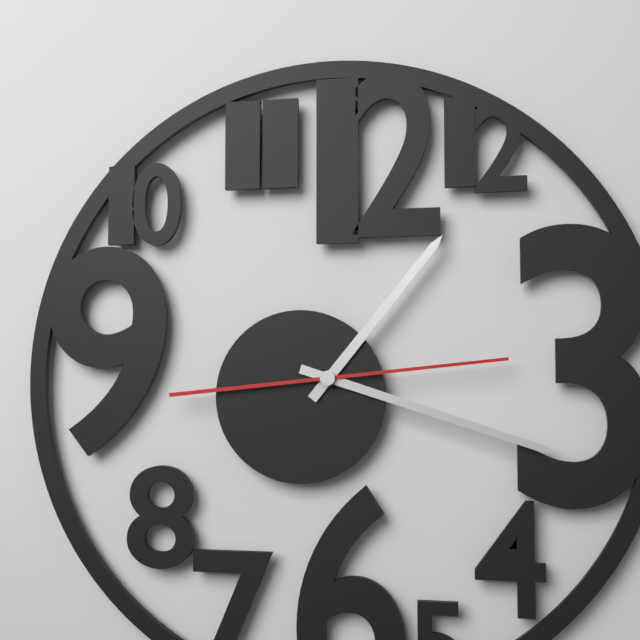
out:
1 h 18 min 14 s
